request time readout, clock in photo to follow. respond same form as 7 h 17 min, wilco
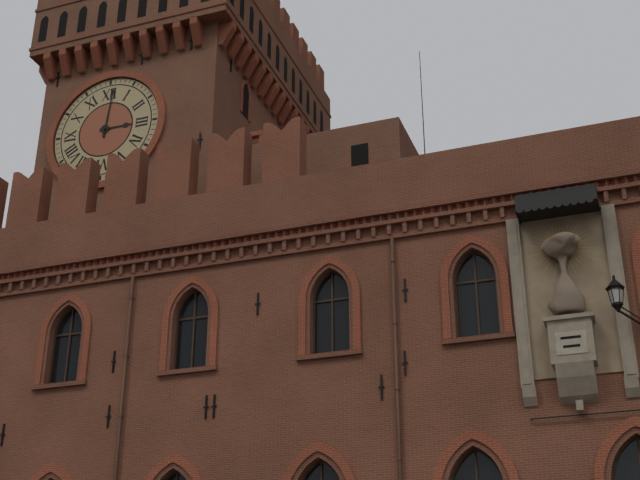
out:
3 h 01 min
